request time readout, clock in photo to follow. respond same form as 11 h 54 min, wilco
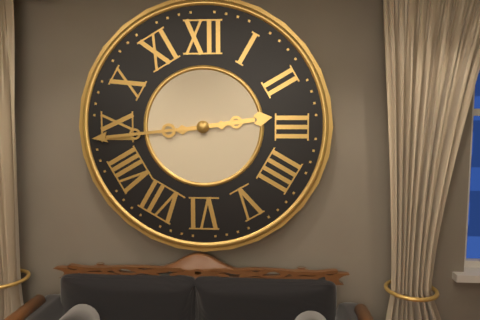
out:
2 h 44 min
